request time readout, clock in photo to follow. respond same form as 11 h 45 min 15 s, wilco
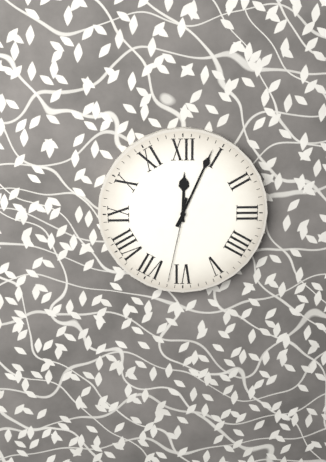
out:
12 h 04 min 32 s
